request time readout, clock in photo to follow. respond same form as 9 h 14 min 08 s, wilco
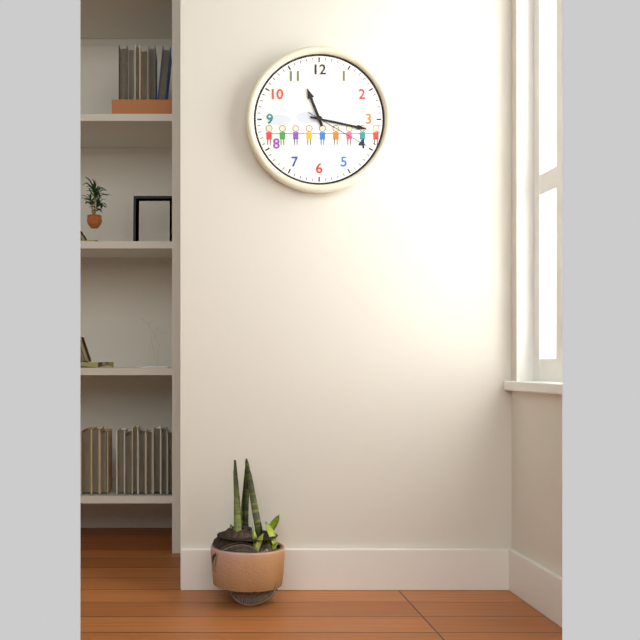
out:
11 h 17 min 20 s
